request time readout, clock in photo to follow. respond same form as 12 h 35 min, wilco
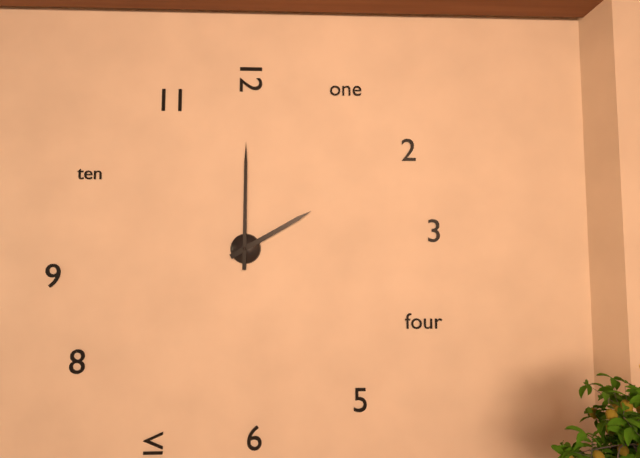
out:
2 h 00 min
